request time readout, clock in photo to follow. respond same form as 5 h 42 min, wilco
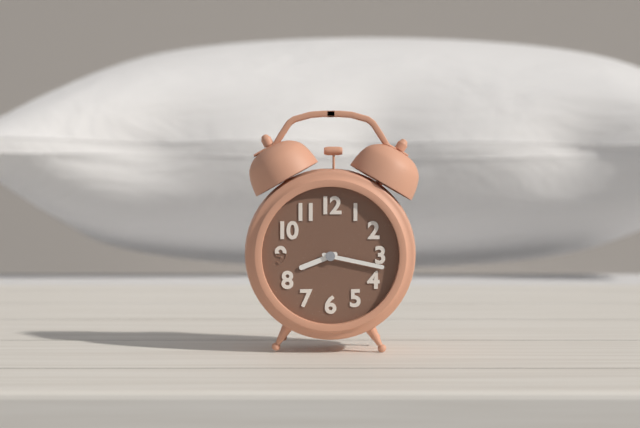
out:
8 h 17 min
